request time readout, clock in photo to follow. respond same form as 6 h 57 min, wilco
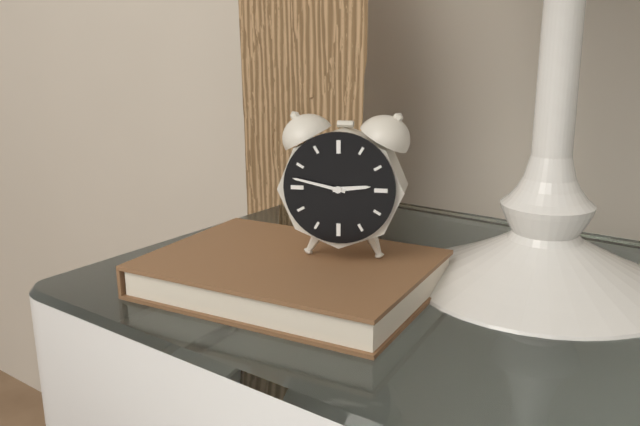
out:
2 h 47 min
